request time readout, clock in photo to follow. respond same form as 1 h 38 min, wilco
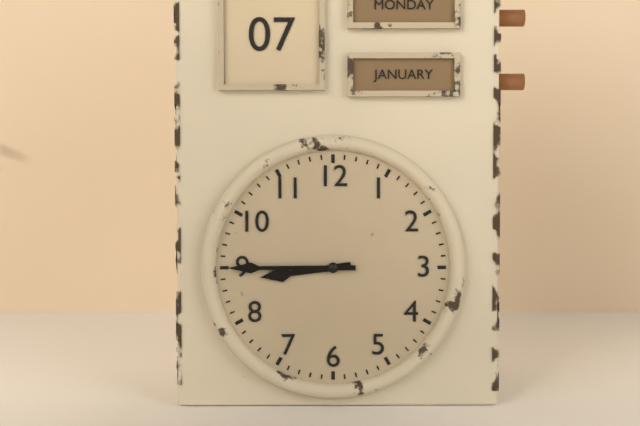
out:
8 h 45 min
